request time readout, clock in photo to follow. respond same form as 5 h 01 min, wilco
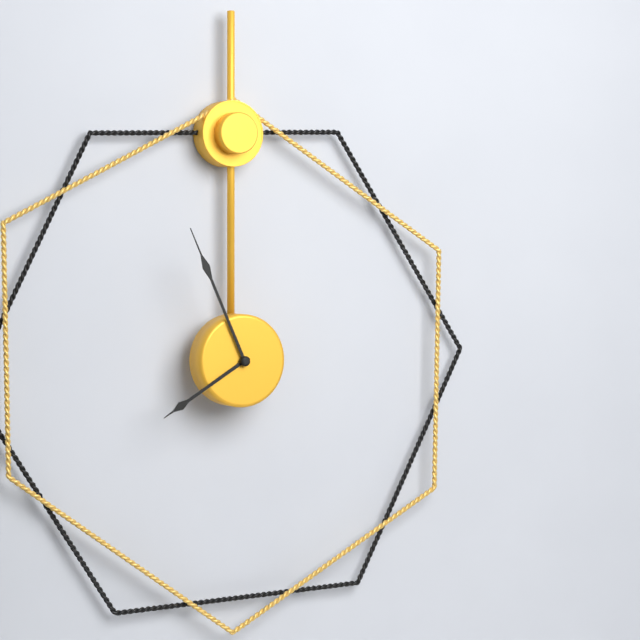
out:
7 h 56 min
